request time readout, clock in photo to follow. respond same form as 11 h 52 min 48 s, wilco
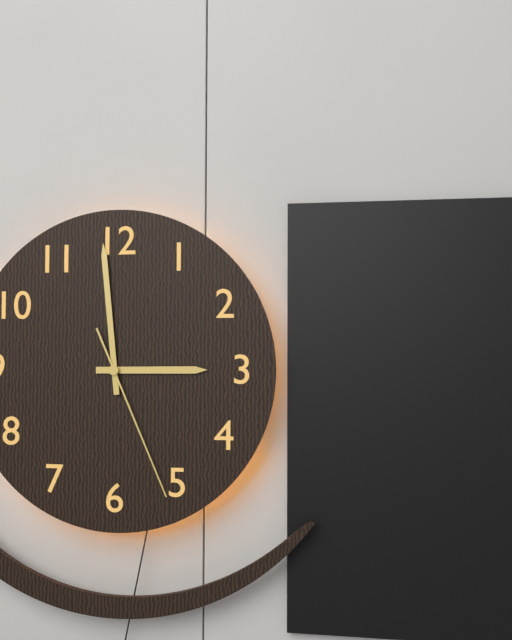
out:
2 h 59 min 26 s
